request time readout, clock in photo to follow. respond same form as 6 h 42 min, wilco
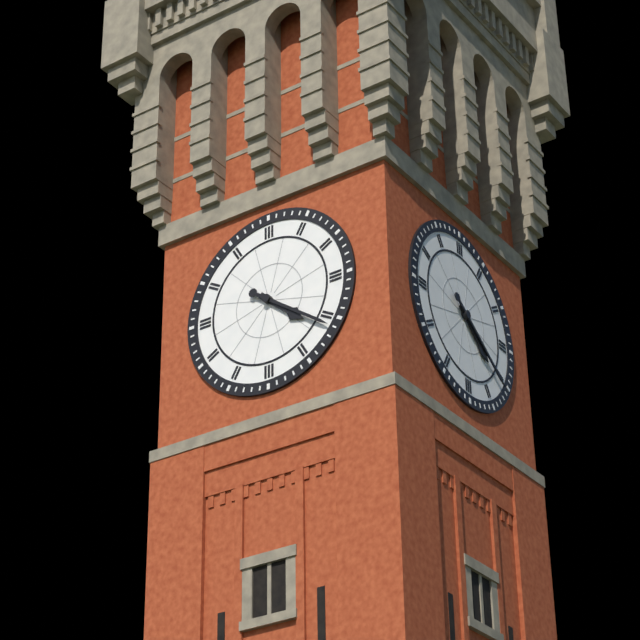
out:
4 h 21 min
